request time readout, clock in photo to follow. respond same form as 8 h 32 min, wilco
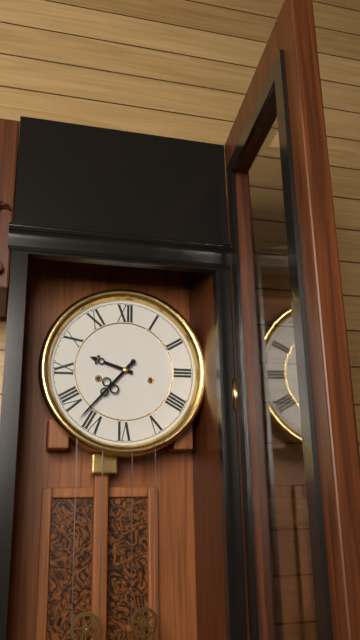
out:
9 h 37 min
